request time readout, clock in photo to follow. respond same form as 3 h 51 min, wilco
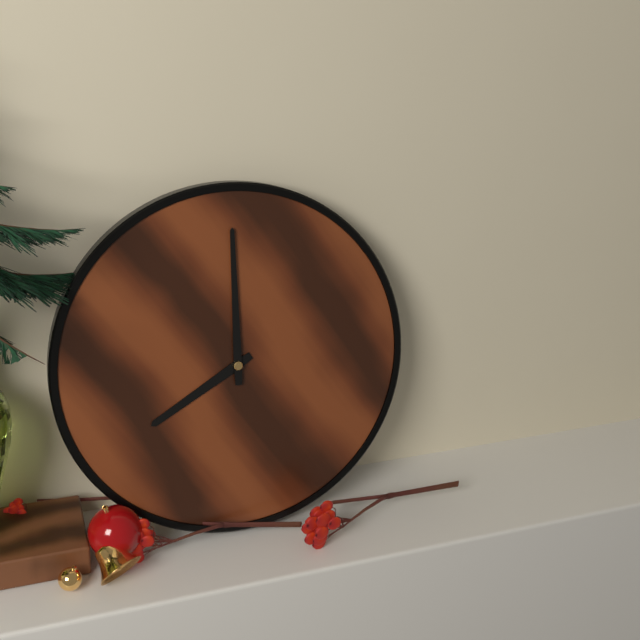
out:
8 h 00 min
